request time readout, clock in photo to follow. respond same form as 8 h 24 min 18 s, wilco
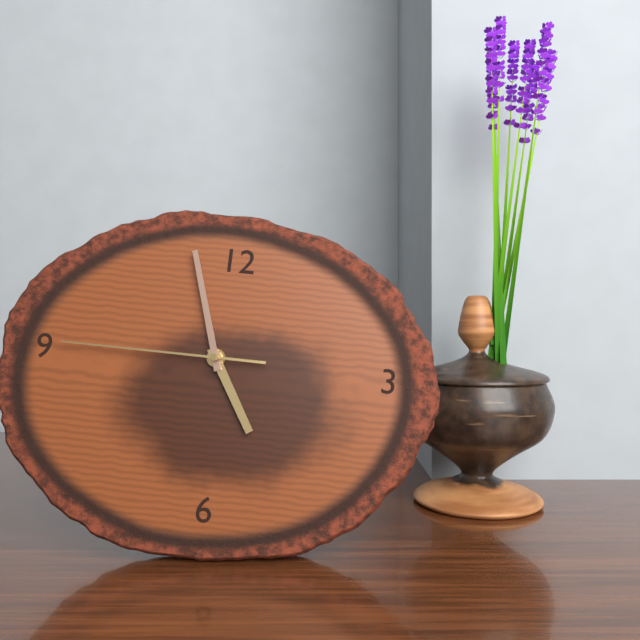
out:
4 h 57 min 45 s
